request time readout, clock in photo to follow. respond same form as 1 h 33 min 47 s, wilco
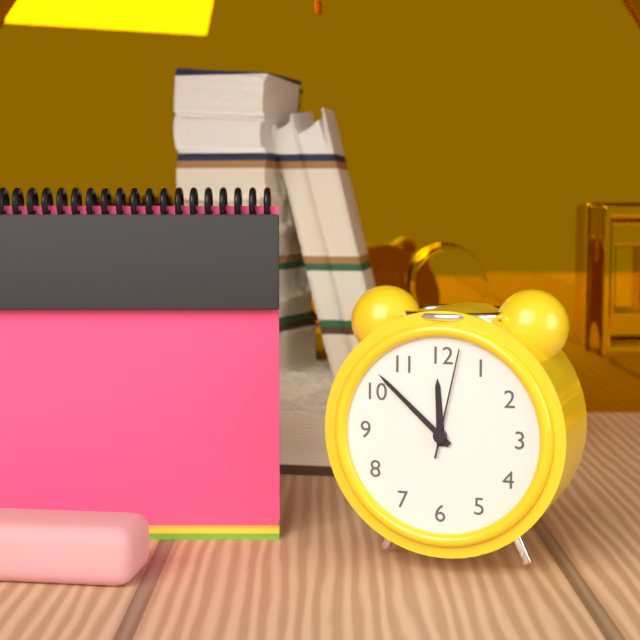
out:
11 h 52 min 02 s
